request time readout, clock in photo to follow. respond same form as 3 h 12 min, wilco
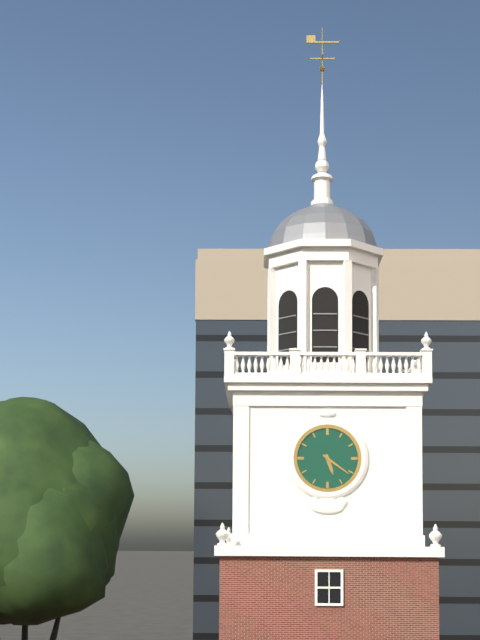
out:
5 h 21 min
